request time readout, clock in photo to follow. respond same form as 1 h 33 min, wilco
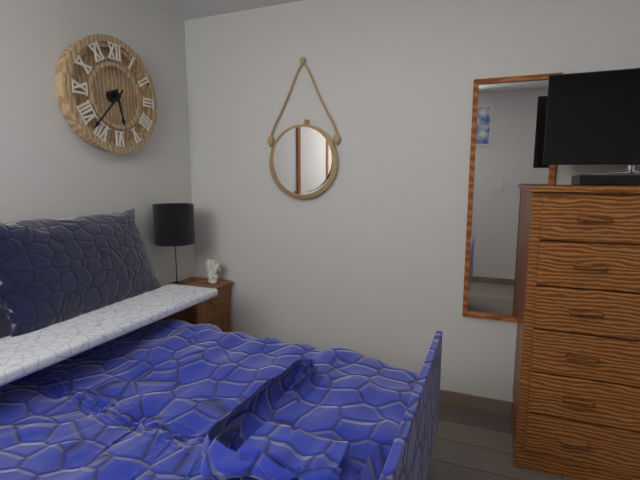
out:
5 h 37 min
